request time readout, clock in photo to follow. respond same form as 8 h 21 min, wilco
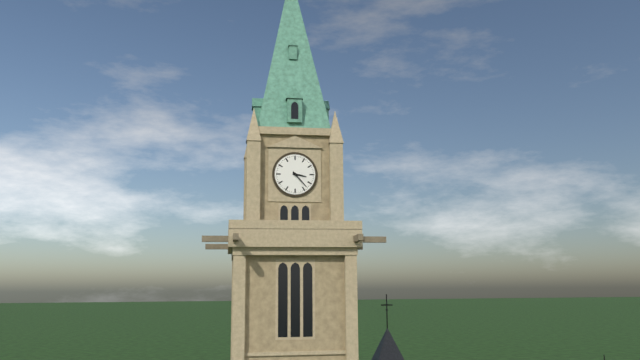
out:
3 h 23 min
